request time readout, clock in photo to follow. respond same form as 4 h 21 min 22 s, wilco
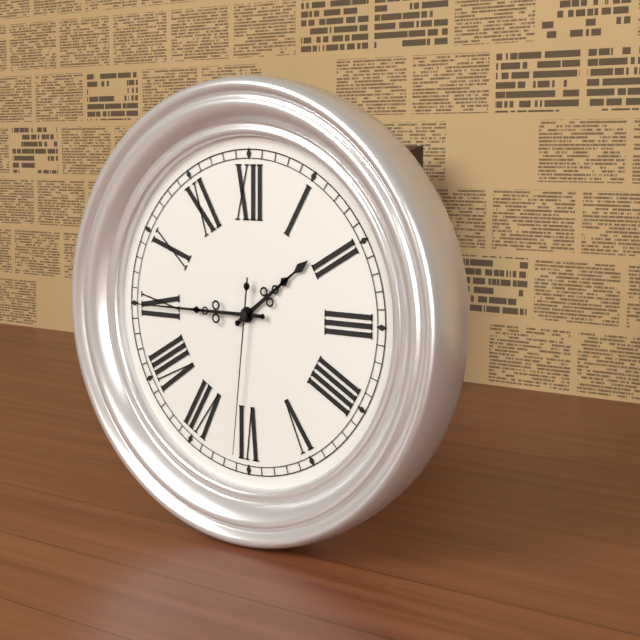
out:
1 h 45 min 31 s
